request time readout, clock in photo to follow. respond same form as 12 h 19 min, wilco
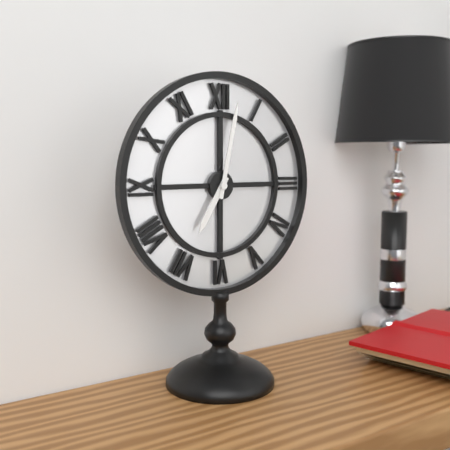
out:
7 h 02 min
